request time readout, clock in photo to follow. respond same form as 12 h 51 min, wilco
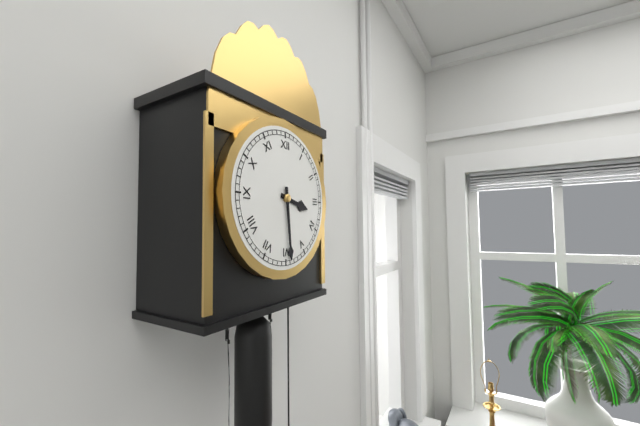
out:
3 h 29 min
